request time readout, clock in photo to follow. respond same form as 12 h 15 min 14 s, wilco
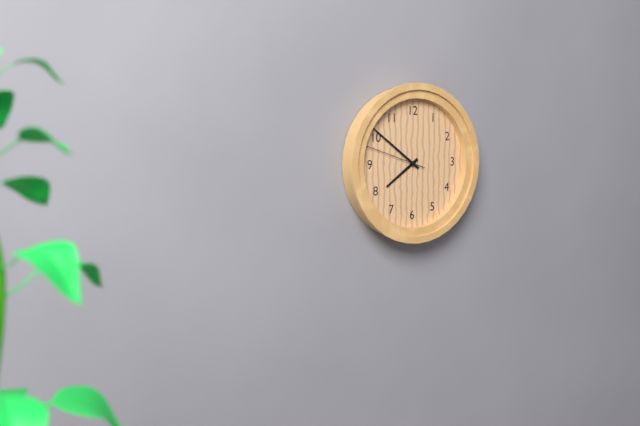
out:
7 h 51 min 48 s
